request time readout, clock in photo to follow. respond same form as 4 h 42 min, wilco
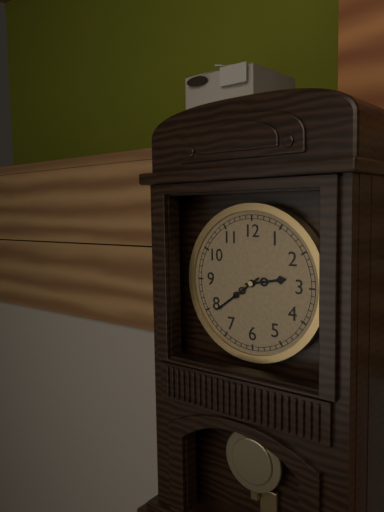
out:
2 h 39 min
